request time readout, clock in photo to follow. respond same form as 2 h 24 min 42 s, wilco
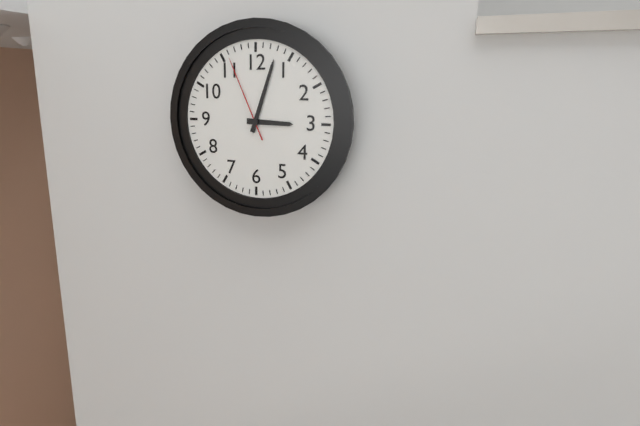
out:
3 h 03 min 56 s
